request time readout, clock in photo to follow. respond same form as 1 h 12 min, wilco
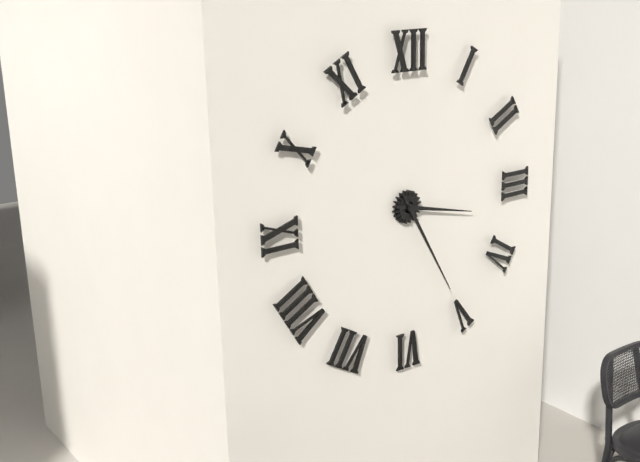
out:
3 h 25 min
